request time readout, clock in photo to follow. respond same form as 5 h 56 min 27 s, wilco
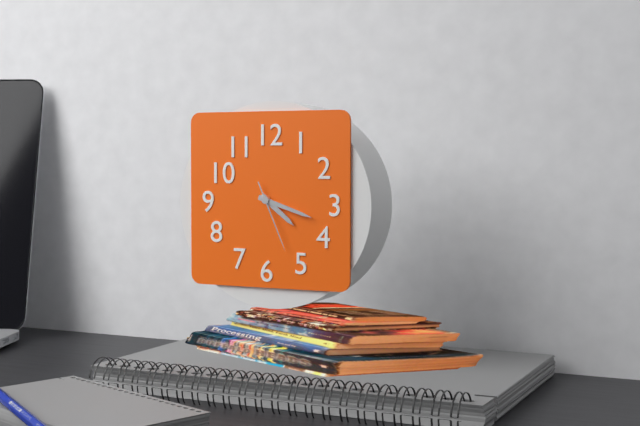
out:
4 h 18 min 26 s
